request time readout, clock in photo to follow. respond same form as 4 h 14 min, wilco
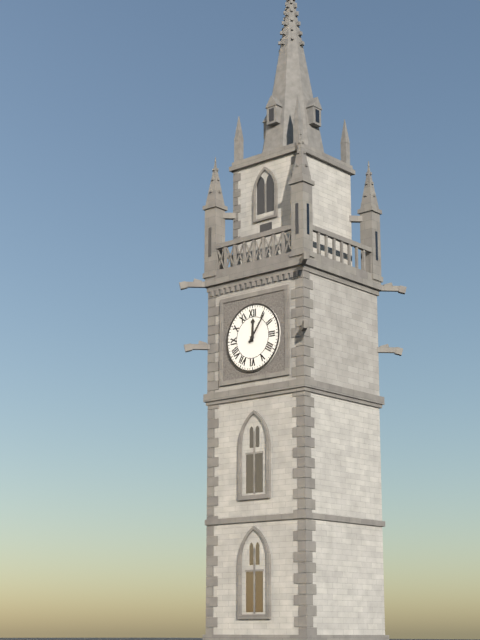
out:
12 h 06 min
